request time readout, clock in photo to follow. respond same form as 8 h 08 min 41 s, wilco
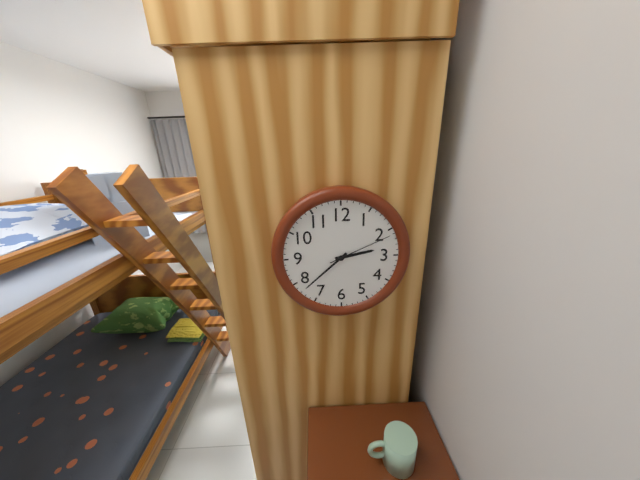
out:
2 h 38 min 11 s
